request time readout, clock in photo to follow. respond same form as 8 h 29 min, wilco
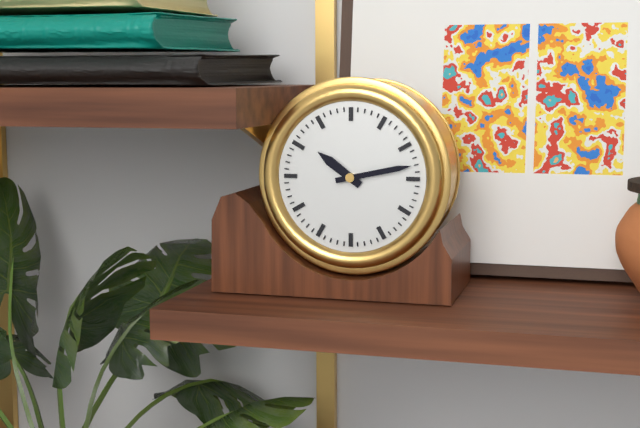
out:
10 h 13 min
